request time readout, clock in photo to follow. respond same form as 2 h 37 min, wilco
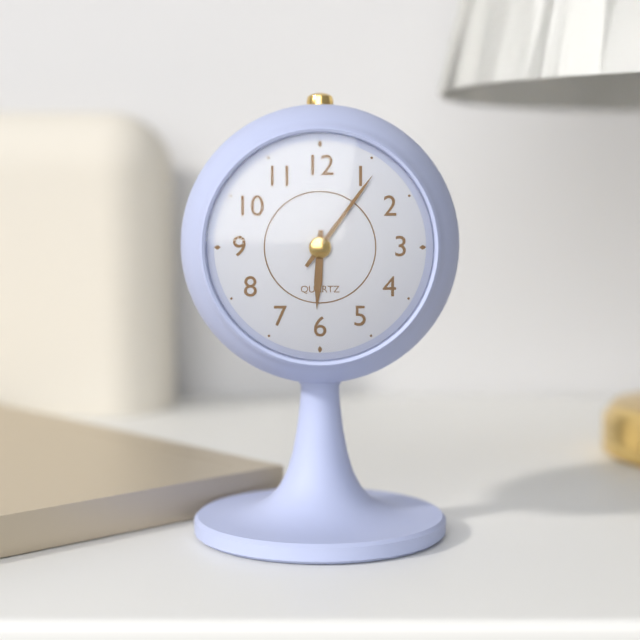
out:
6 h 06 min
